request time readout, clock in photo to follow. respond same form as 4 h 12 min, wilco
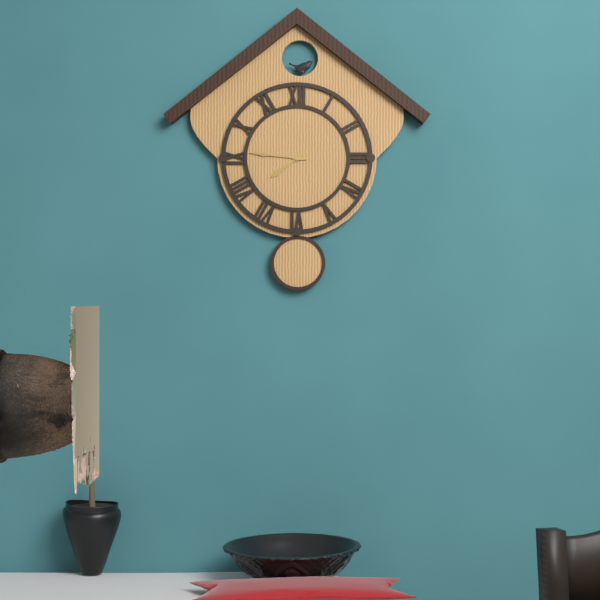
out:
7 h 46 min
